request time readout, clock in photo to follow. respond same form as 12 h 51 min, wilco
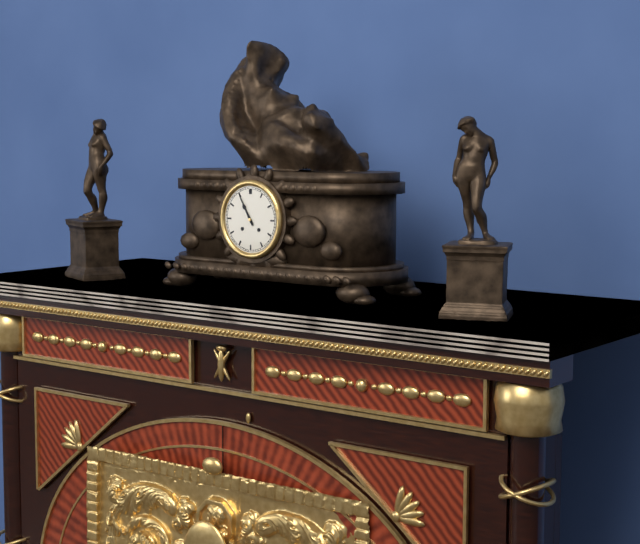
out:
10 h 55 min
